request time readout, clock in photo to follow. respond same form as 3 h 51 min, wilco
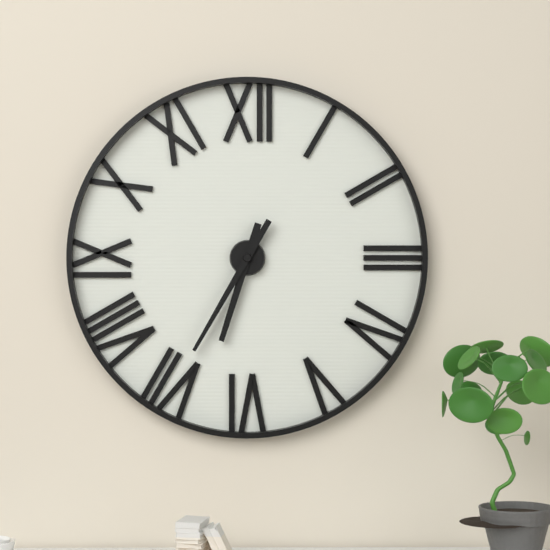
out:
6 h 35 min
